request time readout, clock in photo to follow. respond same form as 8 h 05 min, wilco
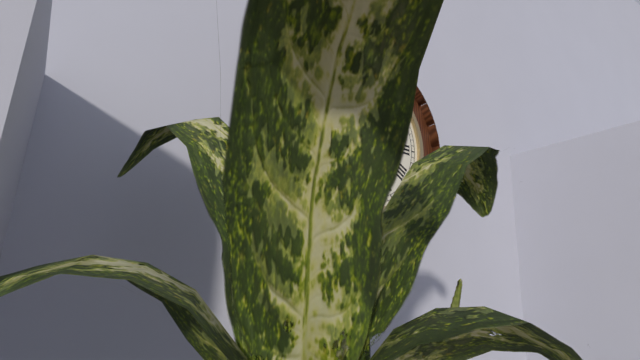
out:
2 h 32 min
